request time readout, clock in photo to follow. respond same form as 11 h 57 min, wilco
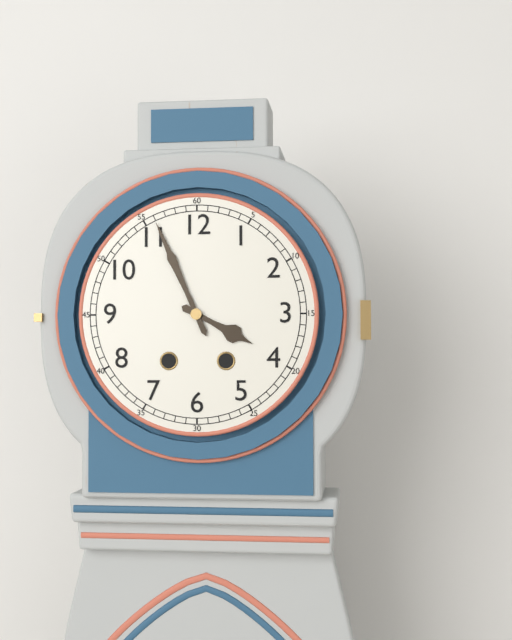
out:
3 h 56 min
